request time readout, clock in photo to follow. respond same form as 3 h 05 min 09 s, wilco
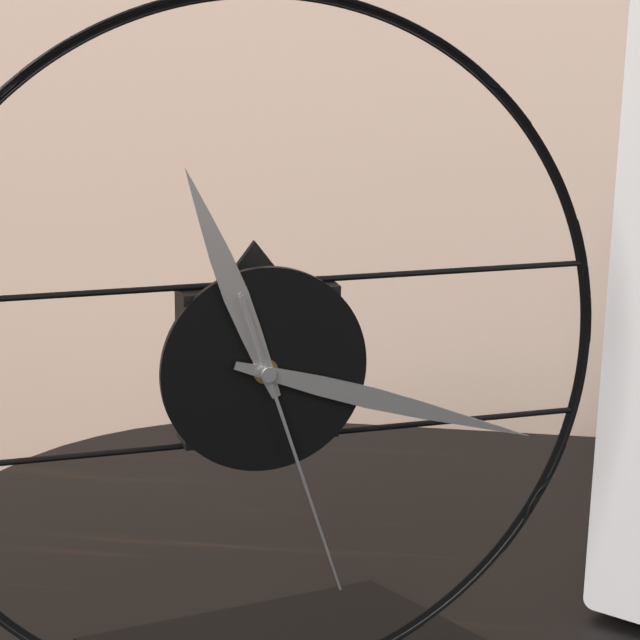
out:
11 h 18 min 27 s
